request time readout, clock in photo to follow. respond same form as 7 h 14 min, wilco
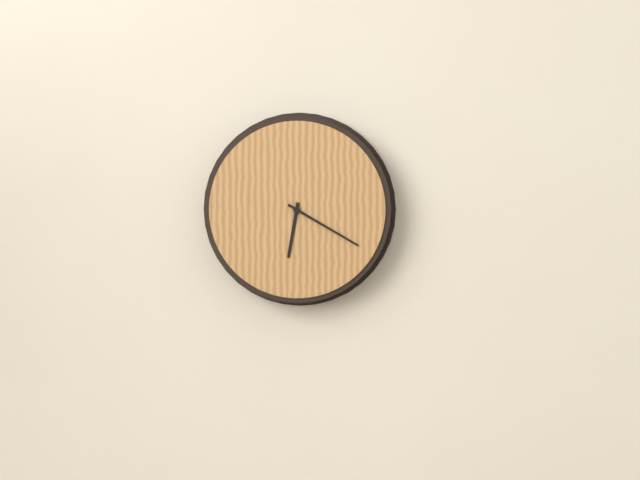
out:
6 h 20 min
